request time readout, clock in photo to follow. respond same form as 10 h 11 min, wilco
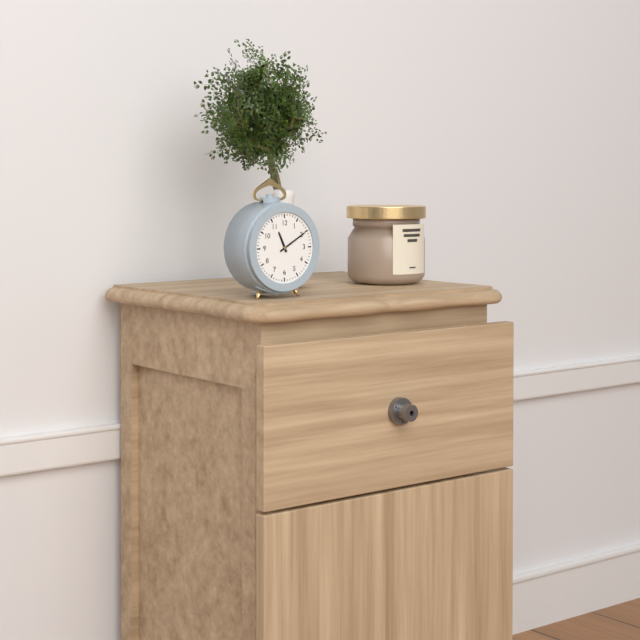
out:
11 h 10 min
